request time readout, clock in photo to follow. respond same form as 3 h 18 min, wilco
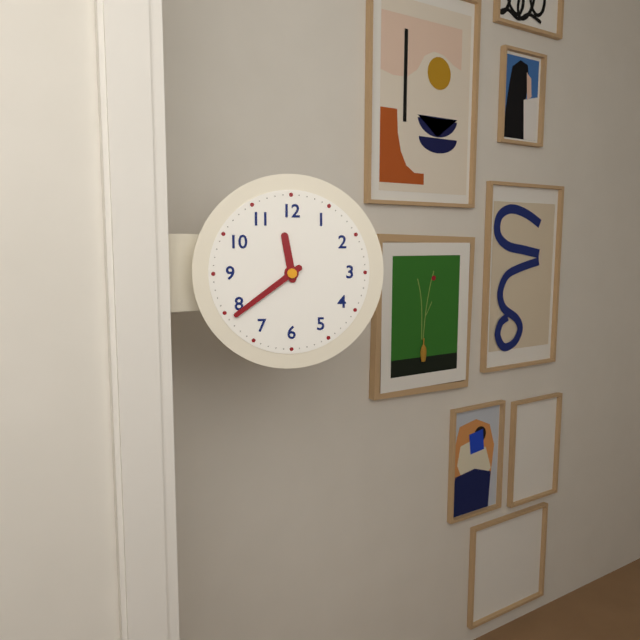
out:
11 h 39 min
